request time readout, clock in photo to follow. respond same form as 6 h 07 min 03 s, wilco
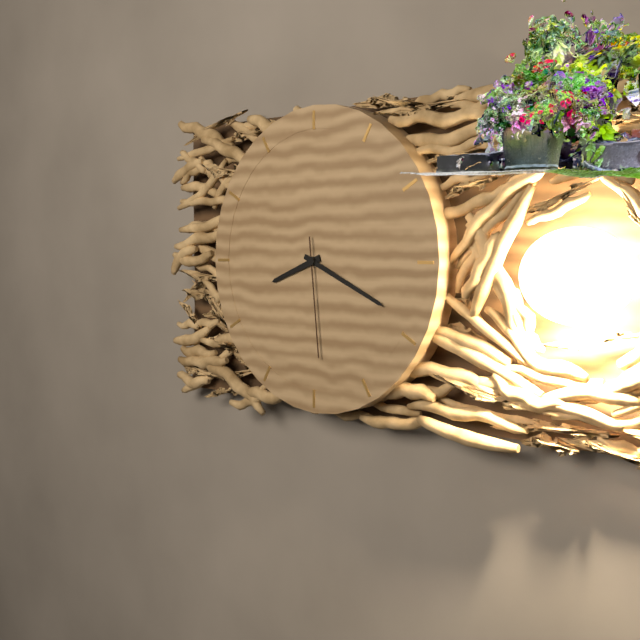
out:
8 h 19 min 29 s
